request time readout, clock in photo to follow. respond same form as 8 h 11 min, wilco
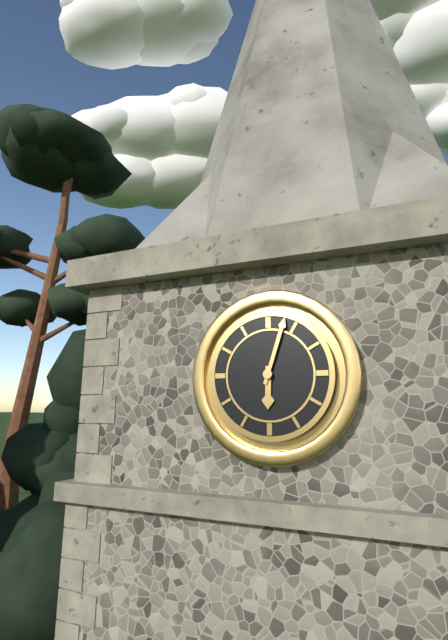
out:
6 h 03 min
